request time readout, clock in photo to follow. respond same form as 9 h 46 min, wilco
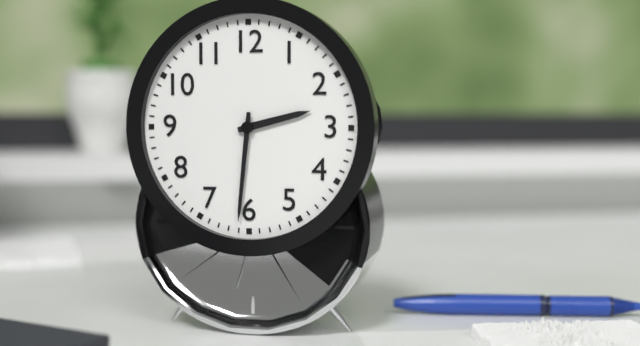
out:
2 h 31 min
